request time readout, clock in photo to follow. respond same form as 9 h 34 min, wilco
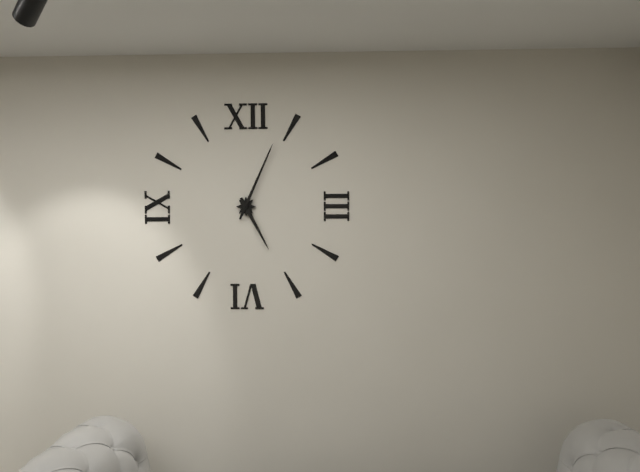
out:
5 h 04 min
